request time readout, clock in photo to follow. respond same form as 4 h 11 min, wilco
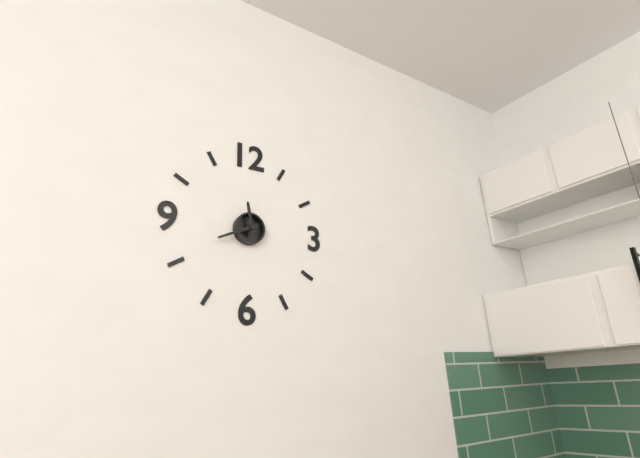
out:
11 h 41 min
